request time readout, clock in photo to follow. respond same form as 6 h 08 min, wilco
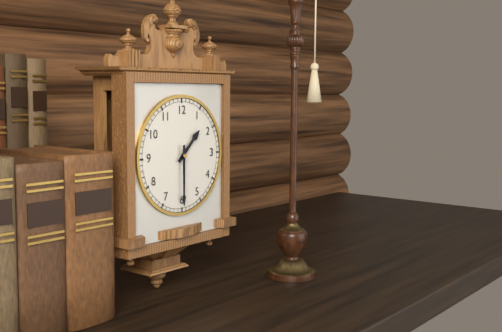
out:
1 h 30 min
